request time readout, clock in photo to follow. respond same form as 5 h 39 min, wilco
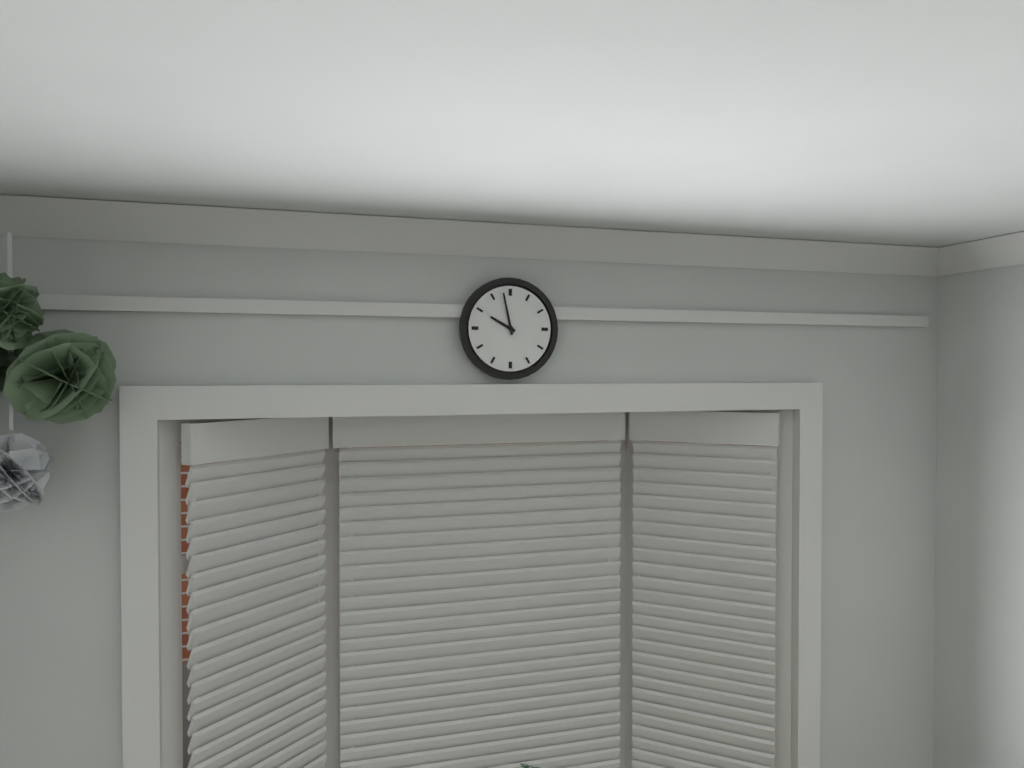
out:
9 h 58 min
